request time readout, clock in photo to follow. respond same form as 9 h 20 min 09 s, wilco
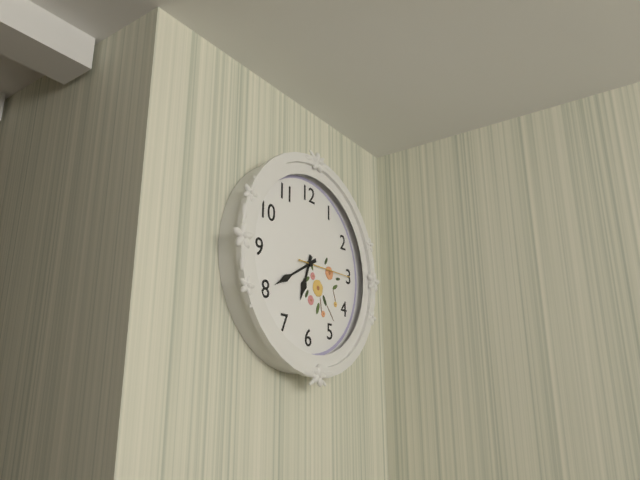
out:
6 h 40 min 15 s
